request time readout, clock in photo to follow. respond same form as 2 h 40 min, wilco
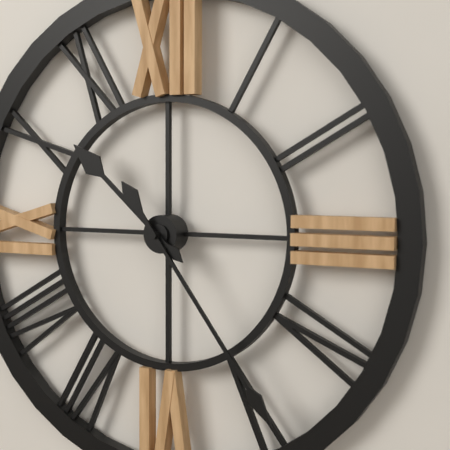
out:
10 h 24 min
